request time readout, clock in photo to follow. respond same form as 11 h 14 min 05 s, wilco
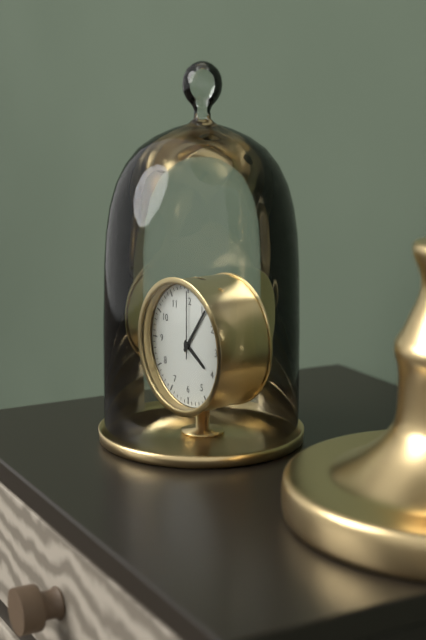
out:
4 h 06 min 00 s
